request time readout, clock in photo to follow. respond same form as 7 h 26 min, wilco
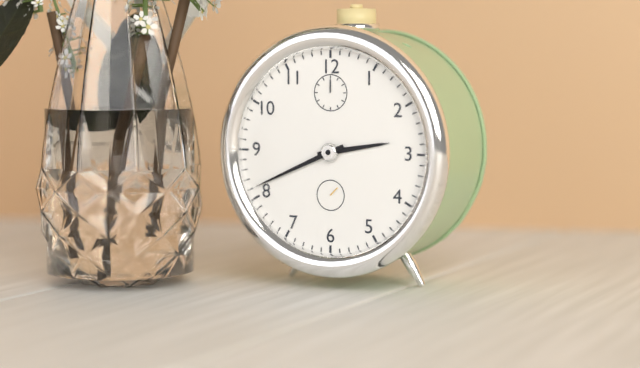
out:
2 h 41 min
